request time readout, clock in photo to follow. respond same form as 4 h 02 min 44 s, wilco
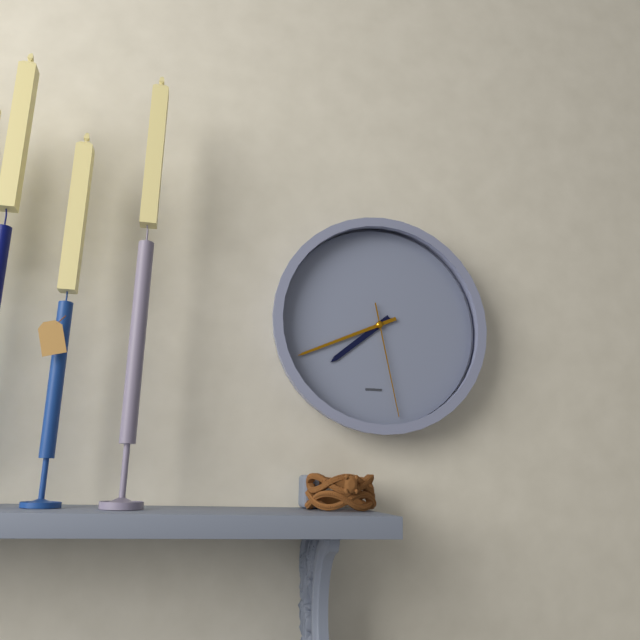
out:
7 h 41 min 28 s
